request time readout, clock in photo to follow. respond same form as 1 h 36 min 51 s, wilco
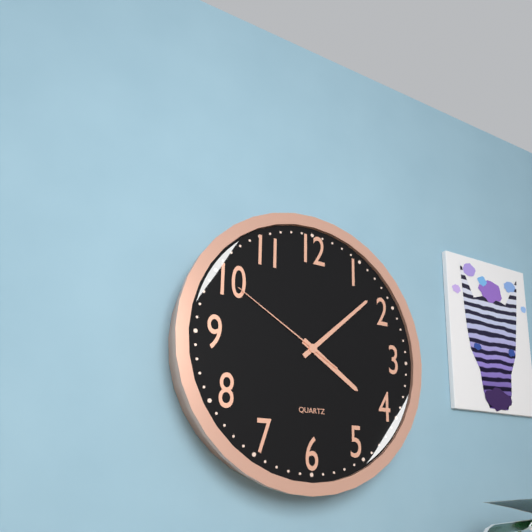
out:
4 h 08 min 50 s
